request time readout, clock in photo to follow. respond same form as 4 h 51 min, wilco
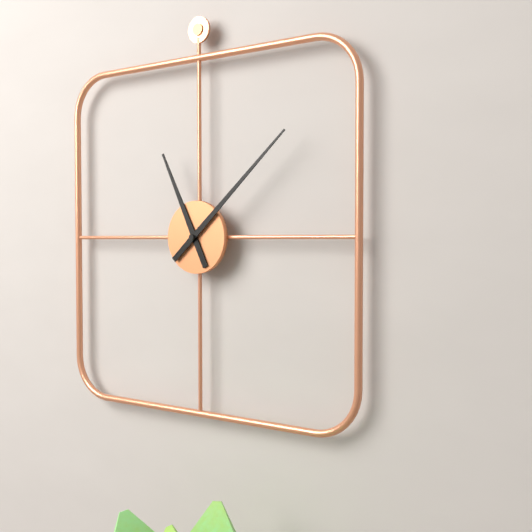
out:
11 h 08 min
